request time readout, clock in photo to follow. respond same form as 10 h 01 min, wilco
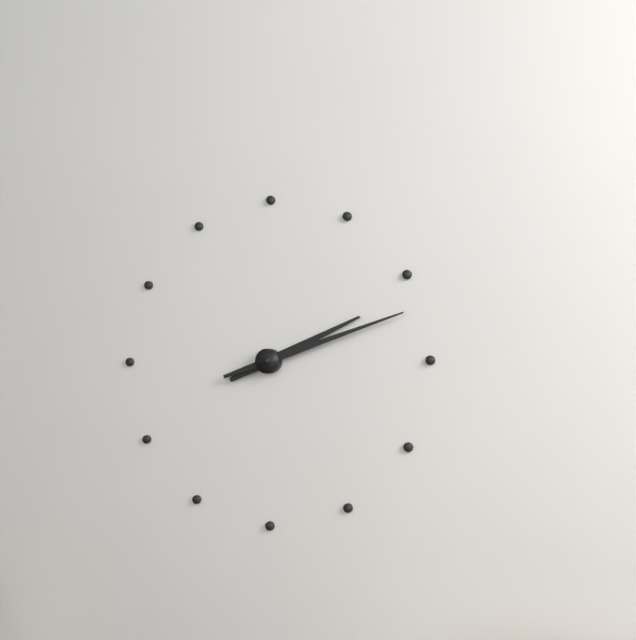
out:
2 h 12 min
